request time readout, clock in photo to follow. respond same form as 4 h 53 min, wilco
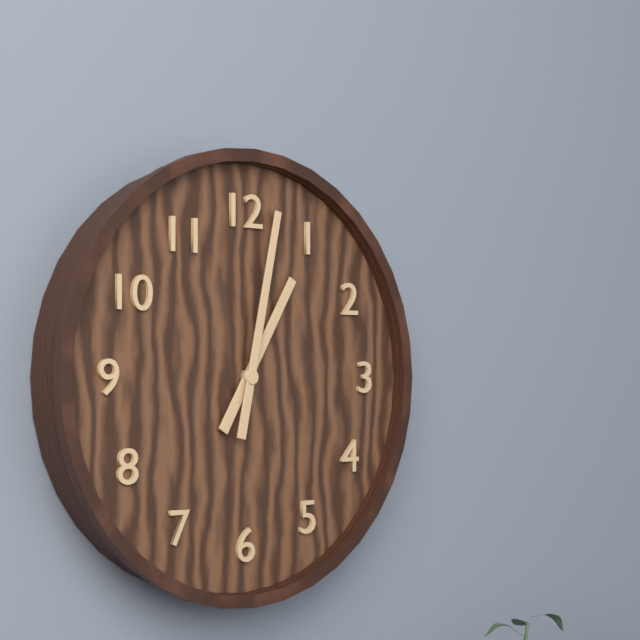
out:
1 h 02 min
